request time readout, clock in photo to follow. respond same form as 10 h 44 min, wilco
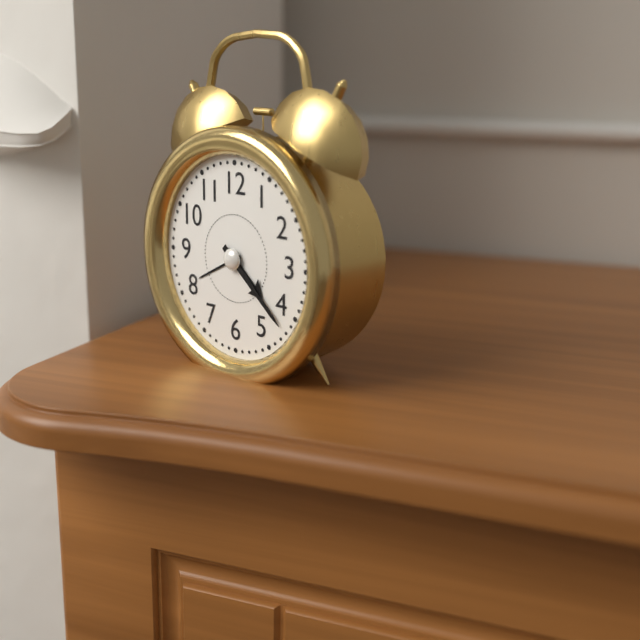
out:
4 h 22 min
